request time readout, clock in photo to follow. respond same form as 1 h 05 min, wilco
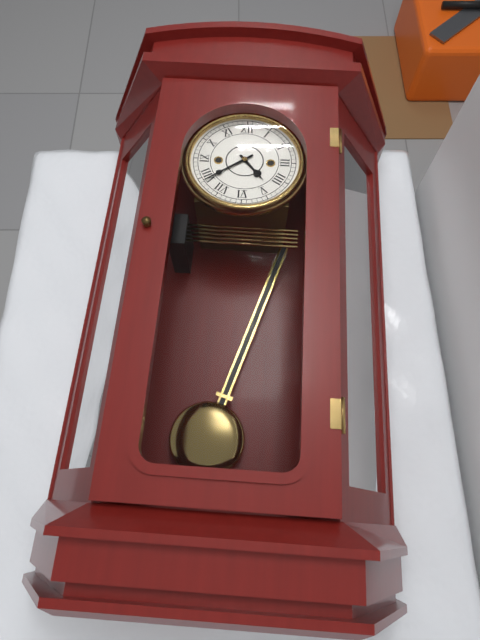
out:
4 h 39 min
